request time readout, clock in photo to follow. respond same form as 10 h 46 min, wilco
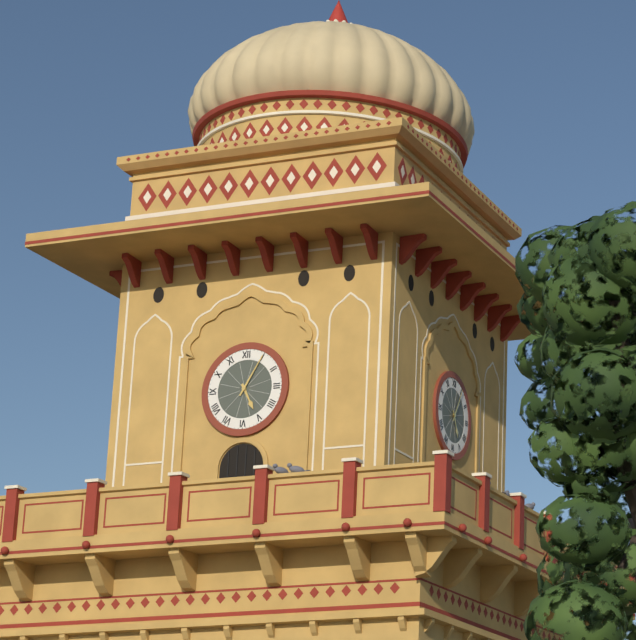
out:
5 h 05 min
